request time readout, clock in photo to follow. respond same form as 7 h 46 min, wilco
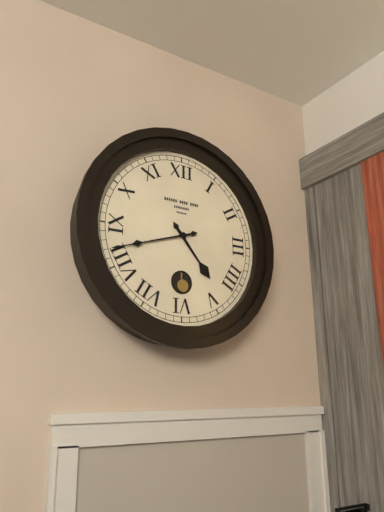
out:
4 h 42 min
